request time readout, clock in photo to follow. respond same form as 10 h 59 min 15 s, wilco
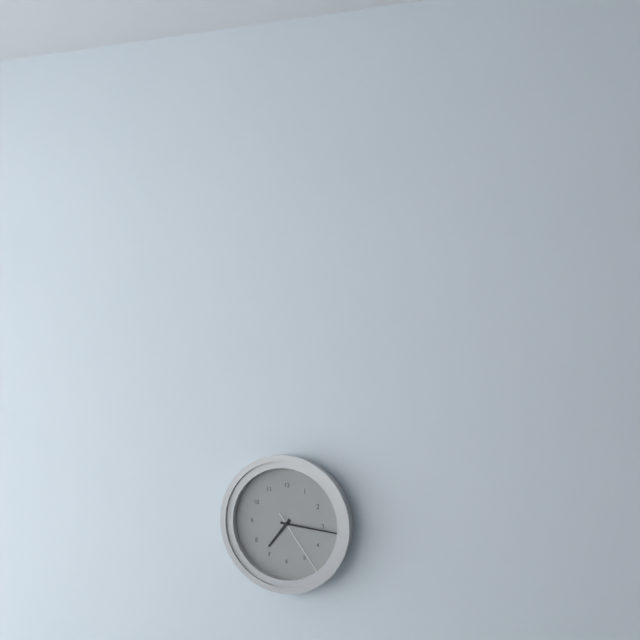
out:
7 h 16 min 24 s
